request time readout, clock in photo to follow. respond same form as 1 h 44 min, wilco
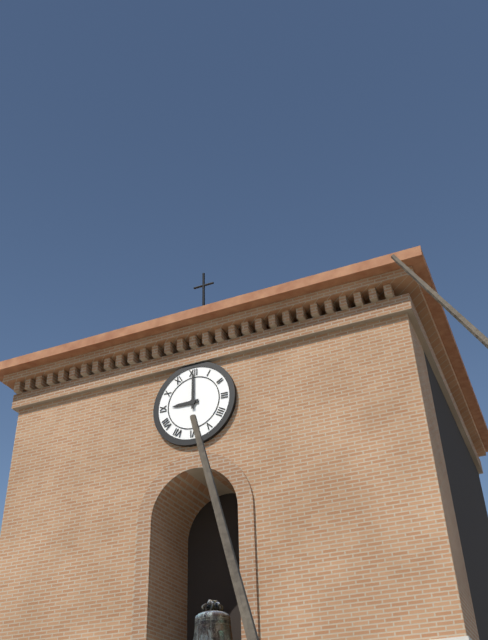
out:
9 h 00 min
